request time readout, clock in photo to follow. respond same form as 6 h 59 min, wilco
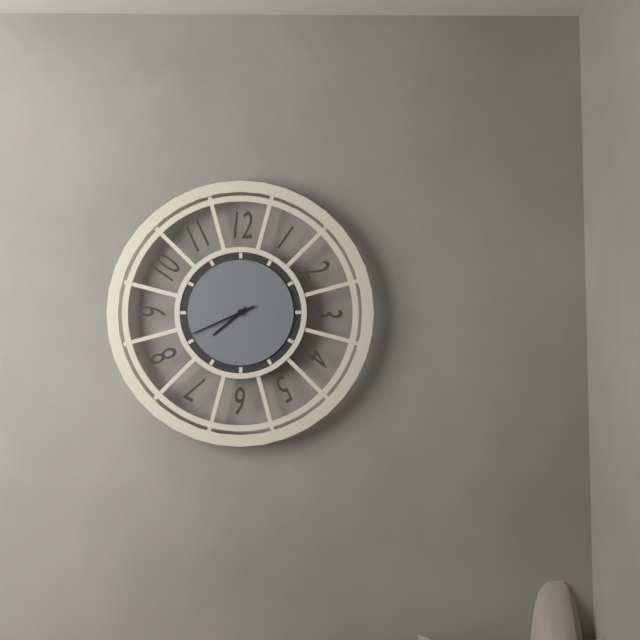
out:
7 h 41 min
